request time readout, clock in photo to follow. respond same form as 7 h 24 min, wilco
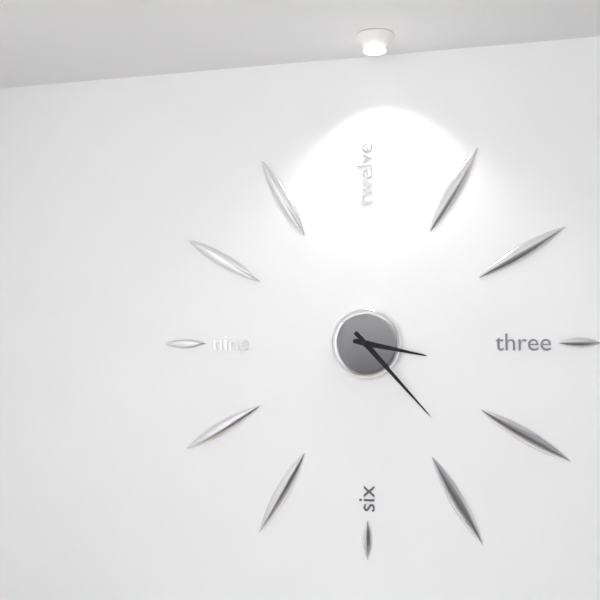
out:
3 h 23 min
